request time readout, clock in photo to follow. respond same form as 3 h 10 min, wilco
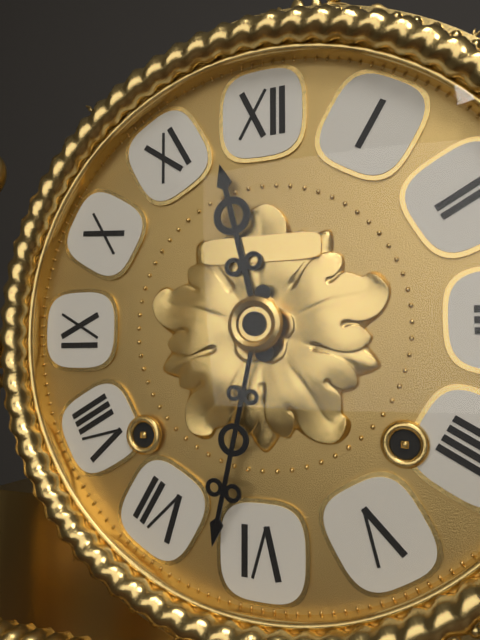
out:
11 h 32 min
